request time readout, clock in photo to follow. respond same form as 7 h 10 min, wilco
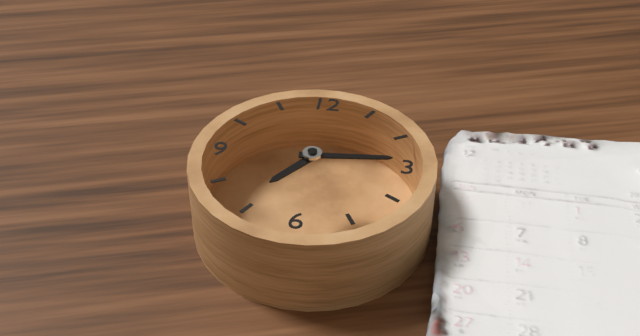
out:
7 h 14 min
